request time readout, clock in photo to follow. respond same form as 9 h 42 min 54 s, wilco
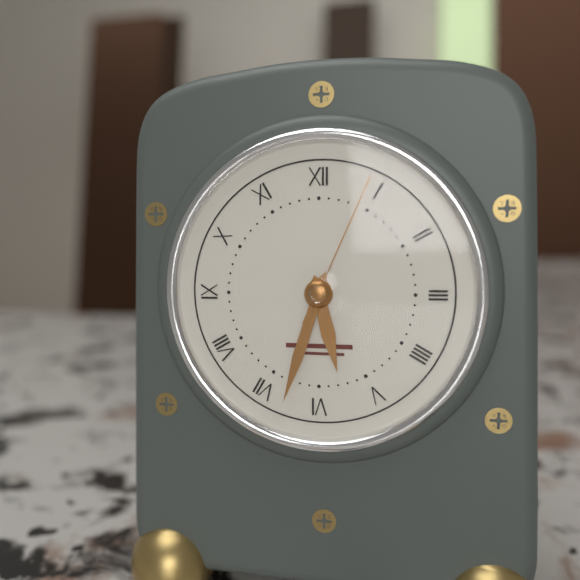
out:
5 h 33 min 04 s
